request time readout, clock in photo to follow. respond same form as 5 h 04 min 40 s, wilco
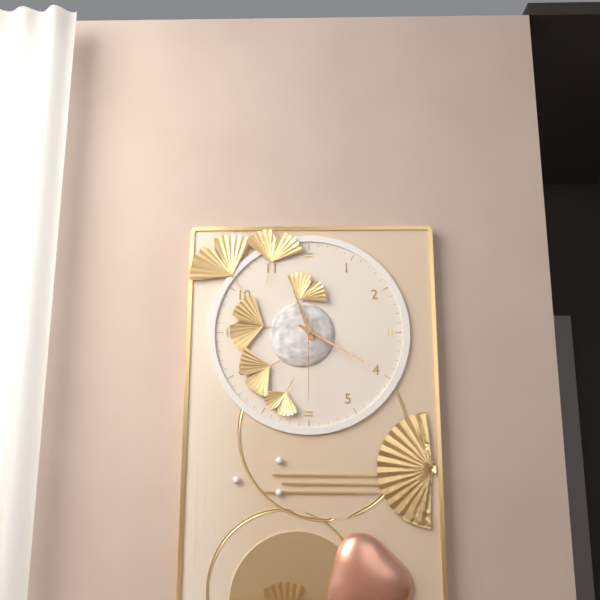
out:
11 h 20 min 30 s
